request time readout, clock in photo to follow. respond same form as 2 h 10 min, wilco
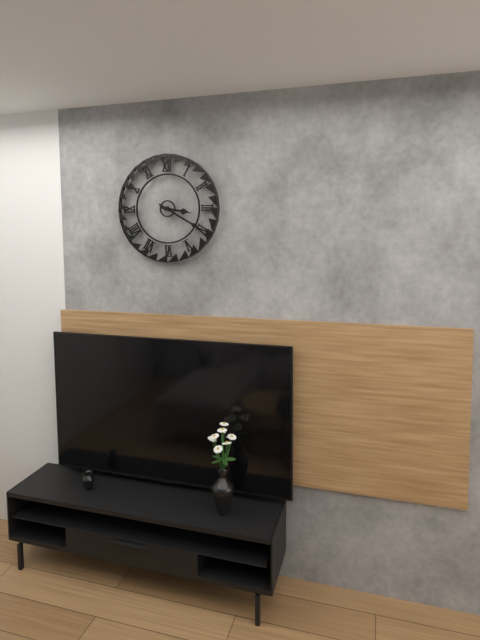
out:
3 h 20 min
